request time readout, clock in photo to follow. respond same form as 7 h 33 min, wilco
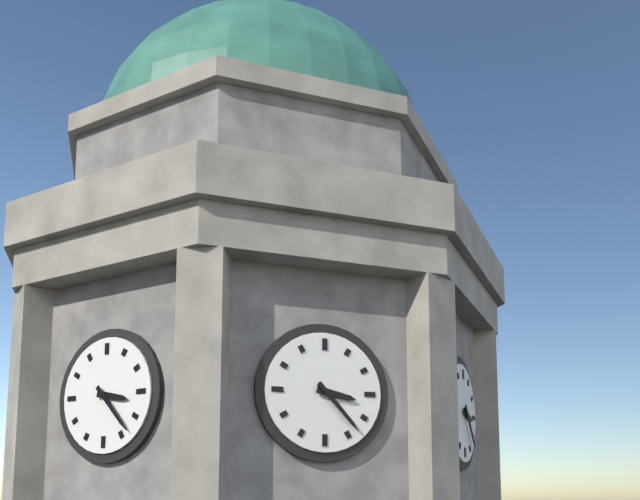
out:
3 h 23 min
